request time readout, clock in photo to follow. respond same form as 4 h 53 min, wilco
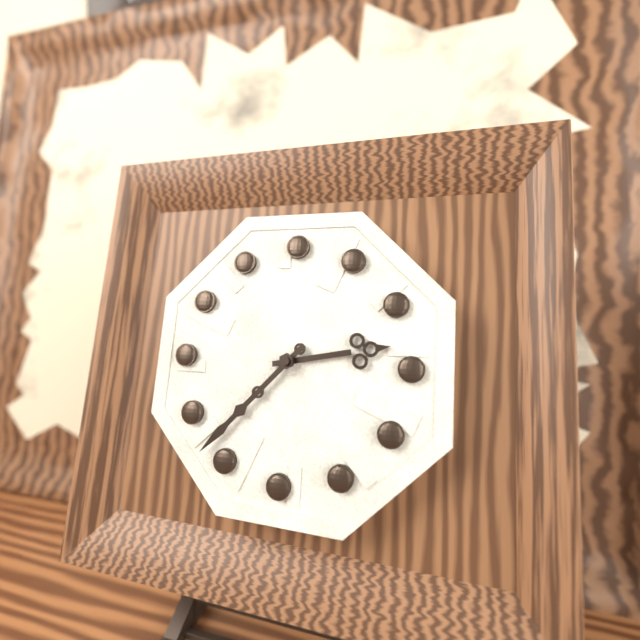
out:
2 h 37 min
